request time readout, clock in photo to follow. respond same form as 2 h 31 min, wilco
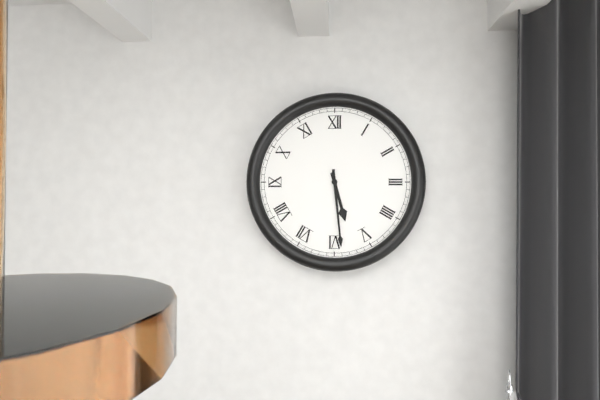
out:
5 h 29 min
